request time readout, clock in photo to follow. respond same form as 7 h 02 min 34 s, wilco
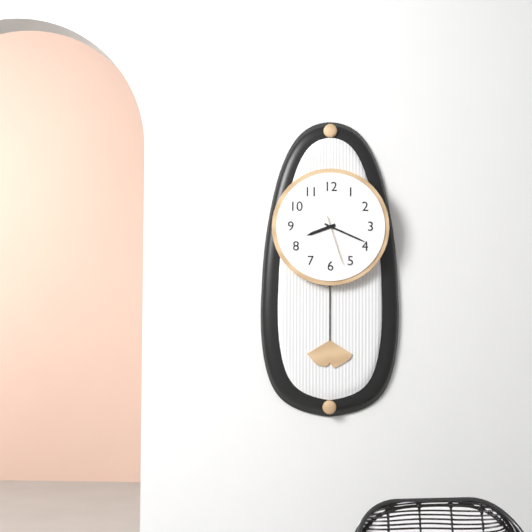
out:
8 h 19 min 27 s
